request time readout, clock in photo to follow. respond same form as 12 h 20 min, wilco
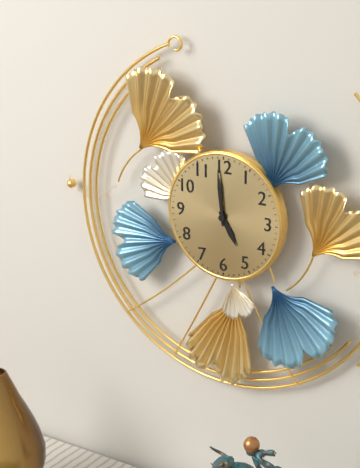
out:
4 h 59 min
